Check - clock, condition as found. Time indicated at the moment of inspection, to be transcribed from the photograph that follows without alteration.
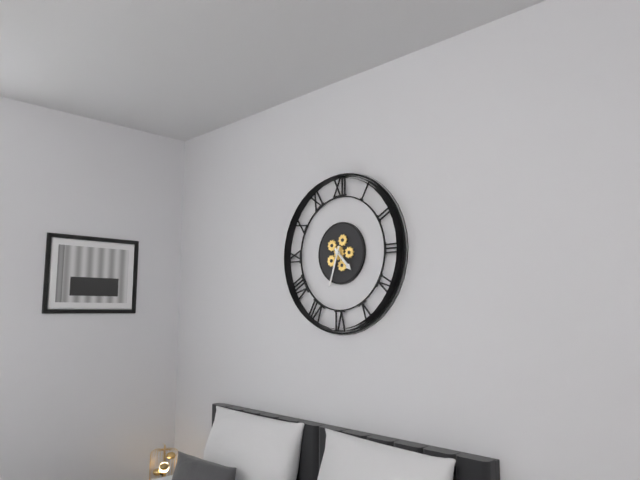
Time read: 4:33
